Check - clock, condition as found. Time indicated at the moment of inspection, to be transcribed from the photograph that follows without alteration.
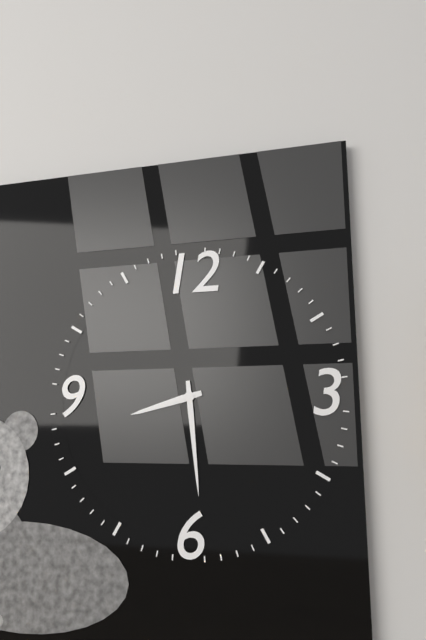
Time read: 8:29
